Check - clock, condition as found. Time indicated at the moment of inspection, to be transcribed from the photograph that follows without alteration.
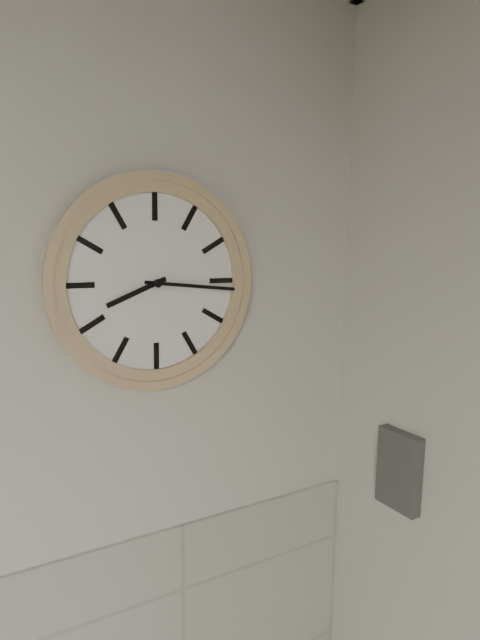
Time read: 8:16
